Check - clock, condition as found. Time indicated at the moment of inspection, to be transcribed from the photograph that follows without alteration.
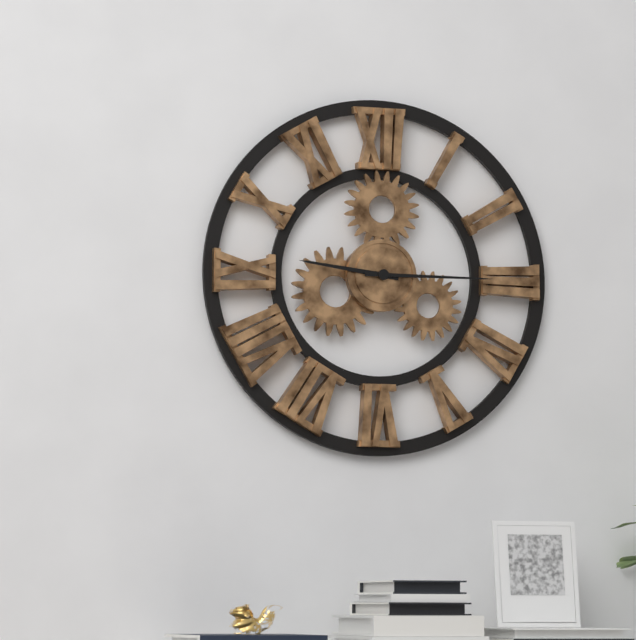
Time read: 9:15
